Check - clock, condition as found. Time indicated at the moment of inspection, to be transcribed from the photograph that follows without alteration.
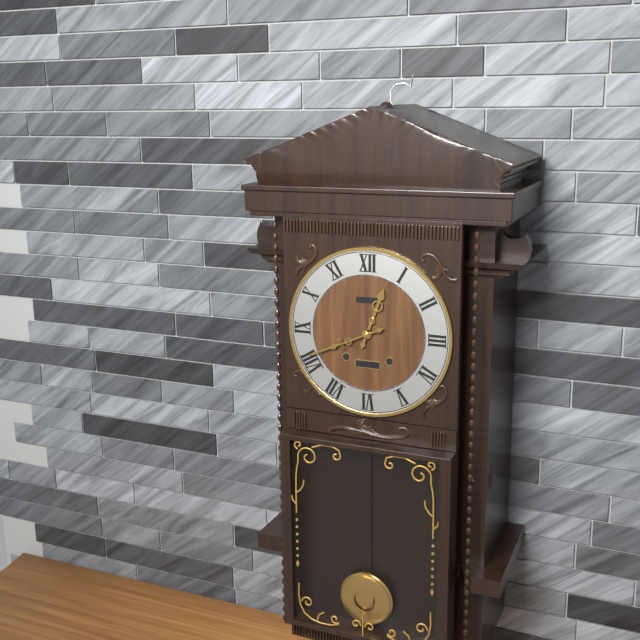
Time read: 12:41
